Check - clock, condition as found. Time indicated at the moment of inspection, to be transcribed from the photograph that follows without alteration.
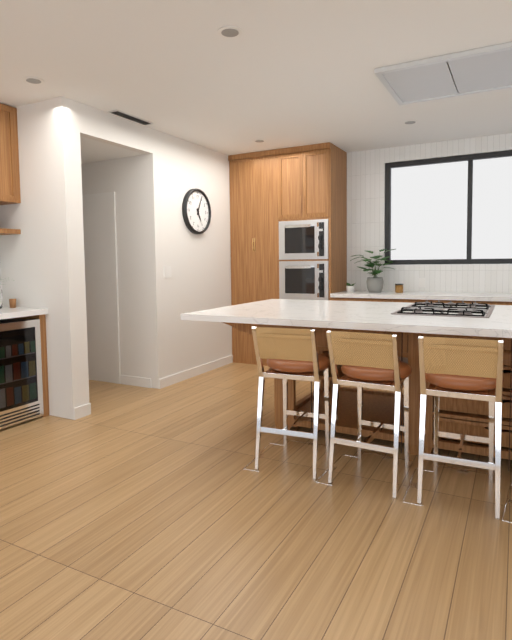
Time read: 5:04
